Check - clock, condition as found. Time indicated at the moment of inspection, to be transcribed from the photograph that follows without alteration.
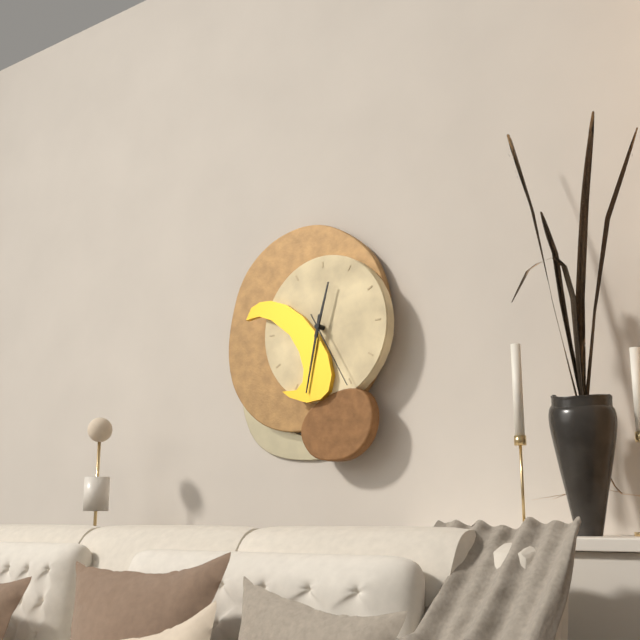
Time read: 12:32:25
